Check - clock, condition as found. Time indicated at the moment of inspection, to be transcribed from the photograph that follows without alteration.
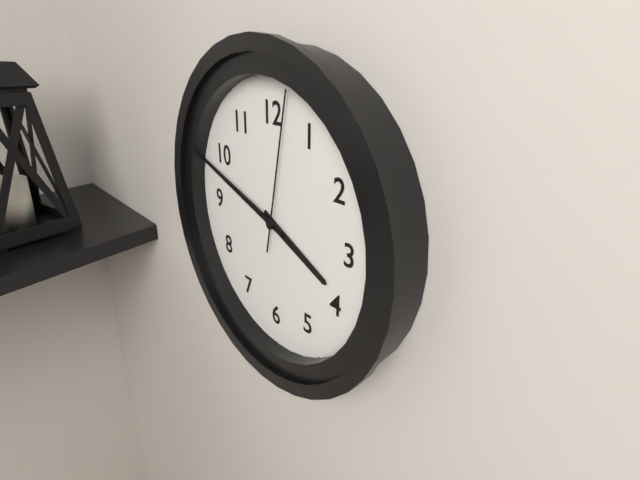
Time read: 3:48:02
